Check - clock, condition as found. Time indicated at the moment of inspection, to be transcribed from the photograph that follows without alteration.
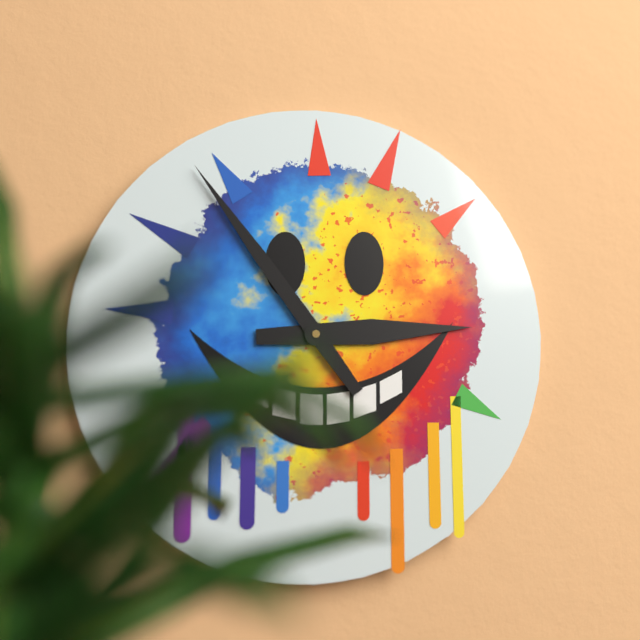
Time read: 2:54
